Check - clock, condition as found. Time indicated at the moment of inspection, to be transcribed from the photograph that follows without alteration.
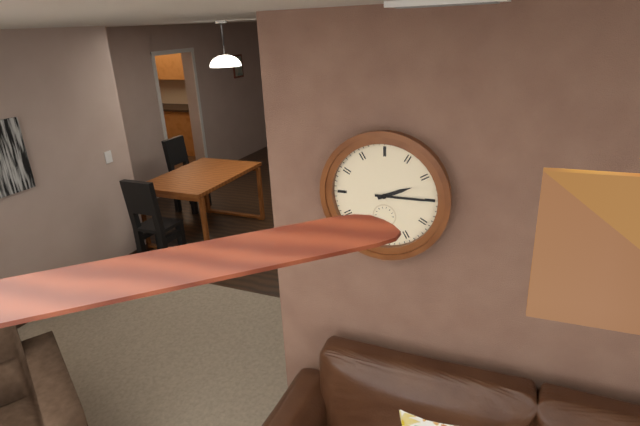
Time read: 2:15
